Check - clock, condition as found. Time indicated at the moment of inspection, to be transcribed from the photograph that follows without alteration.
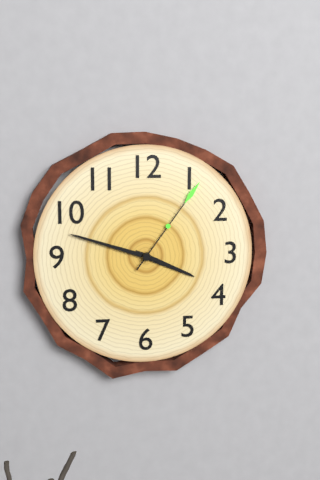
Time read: 3:48:06
